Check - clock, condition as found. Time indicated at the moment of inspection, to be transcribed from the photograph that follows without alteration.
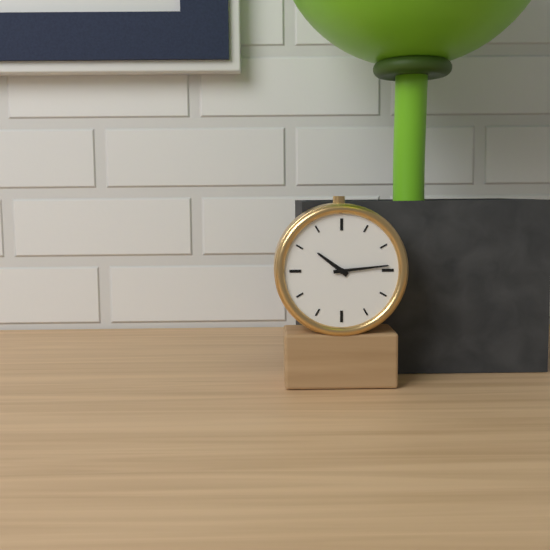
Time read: 10:14
